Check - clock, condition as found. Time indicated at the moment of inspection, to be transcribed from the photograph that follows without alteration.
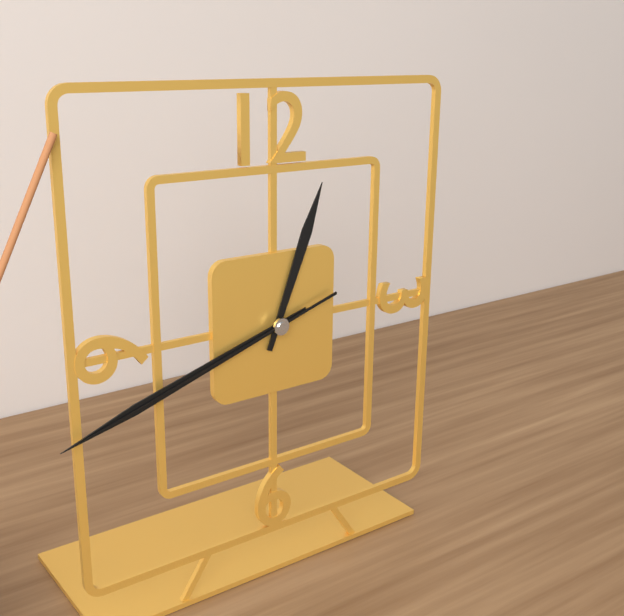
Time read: 12:42:42
